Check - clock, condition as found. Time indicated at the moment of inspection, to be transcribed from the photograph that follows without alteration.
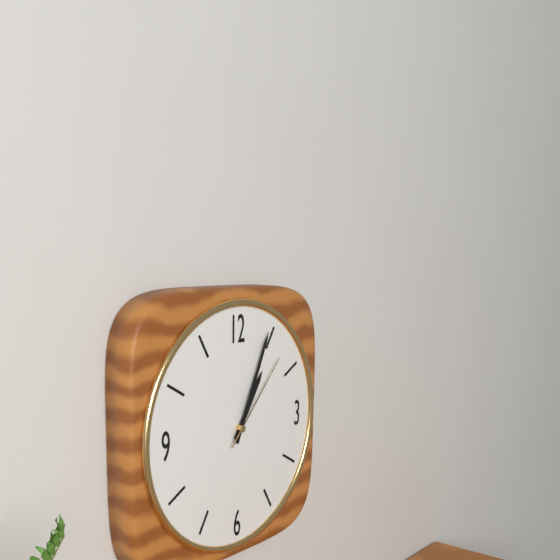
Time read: 1:04:07
